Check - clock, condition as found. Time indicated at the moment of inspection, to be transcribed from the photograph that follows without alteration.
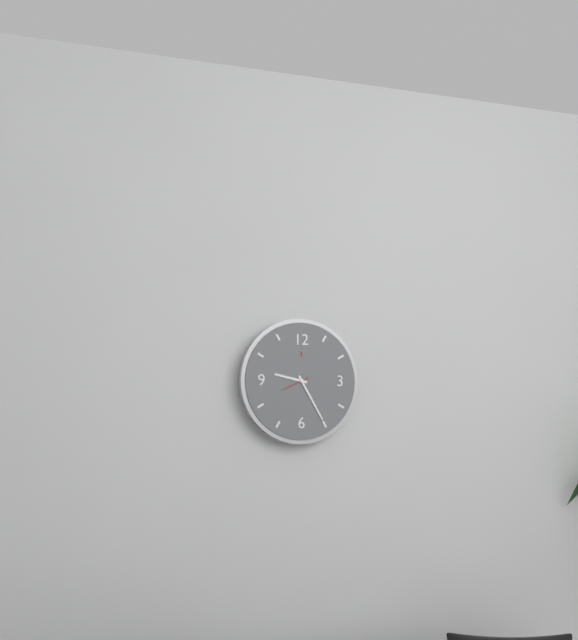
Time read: 9:25
